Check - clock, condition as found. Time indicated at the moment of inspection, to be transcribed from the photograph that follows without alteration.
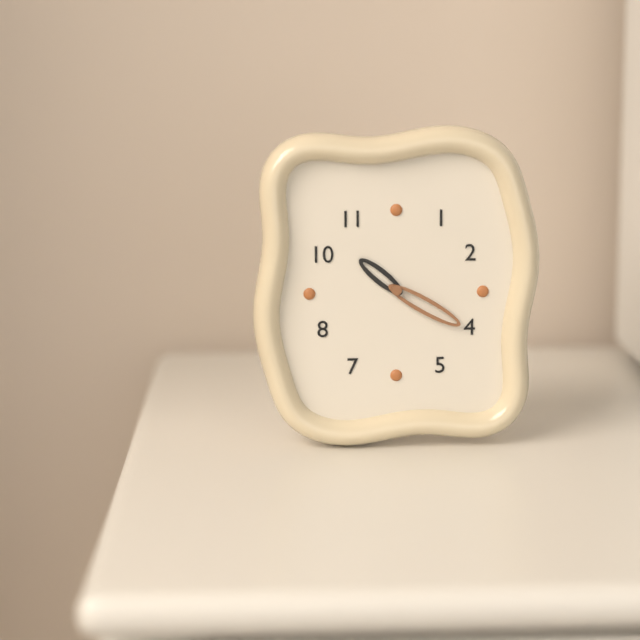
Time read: 10:20
